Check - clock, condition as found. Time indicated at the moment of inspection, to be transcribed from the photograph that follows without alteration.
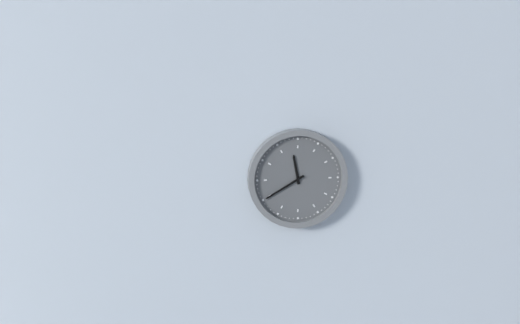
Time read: 11:40
